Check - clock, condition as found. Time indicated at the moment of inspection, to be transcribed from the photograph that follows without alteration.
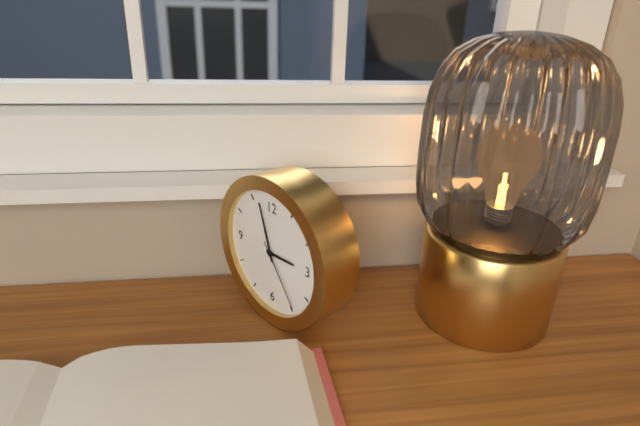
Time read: 2:57:24
